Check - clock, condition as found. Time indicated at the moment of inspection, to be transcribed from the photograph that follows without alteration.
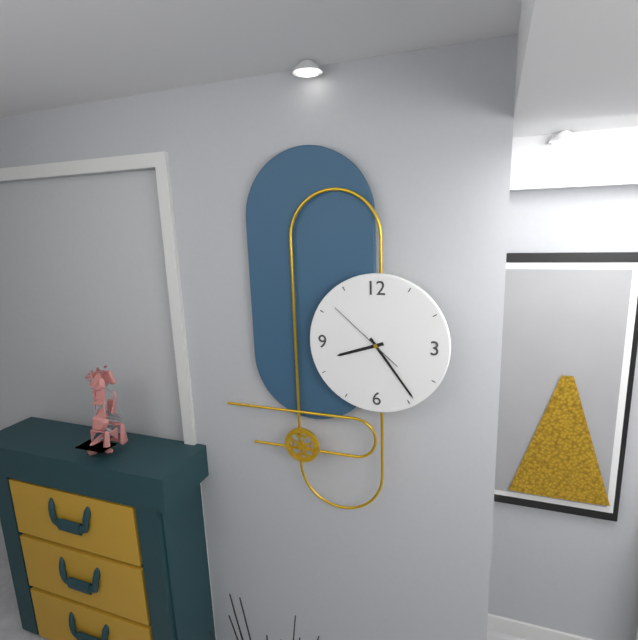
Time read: 8:24:52
